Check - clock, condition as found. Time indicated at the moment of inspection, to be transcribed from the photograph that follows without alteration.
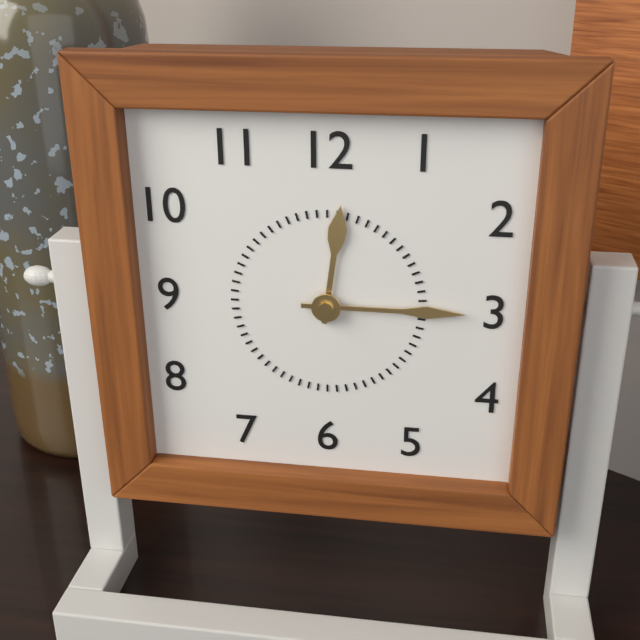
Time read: 12:15
